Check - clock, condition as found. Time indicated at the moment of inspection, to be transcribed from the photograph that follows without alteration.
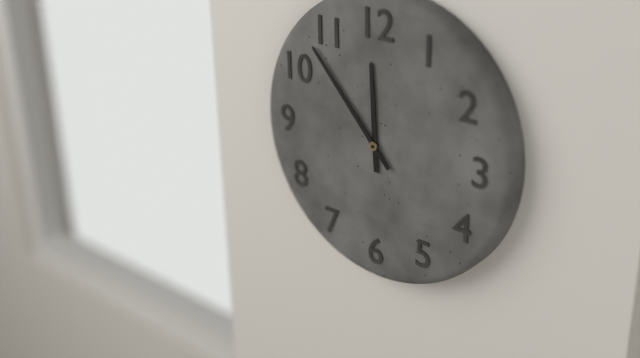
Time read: 11:53
